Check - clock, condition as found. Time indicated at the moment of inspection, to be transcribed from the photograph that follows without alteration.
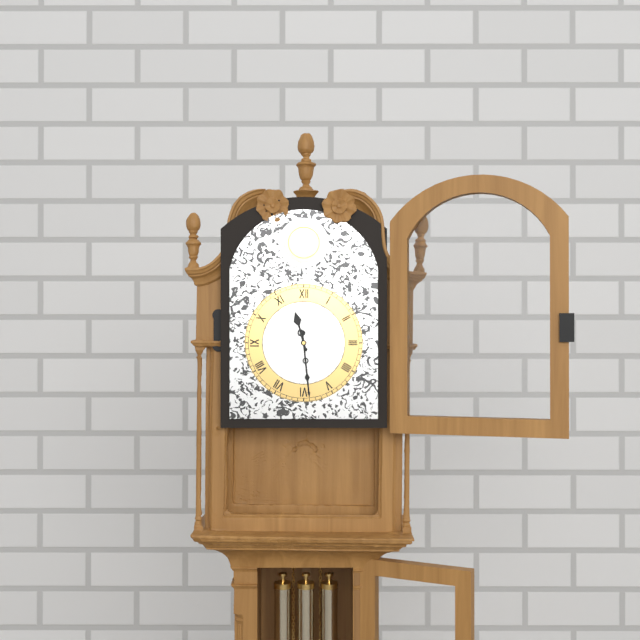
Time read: 11:29
